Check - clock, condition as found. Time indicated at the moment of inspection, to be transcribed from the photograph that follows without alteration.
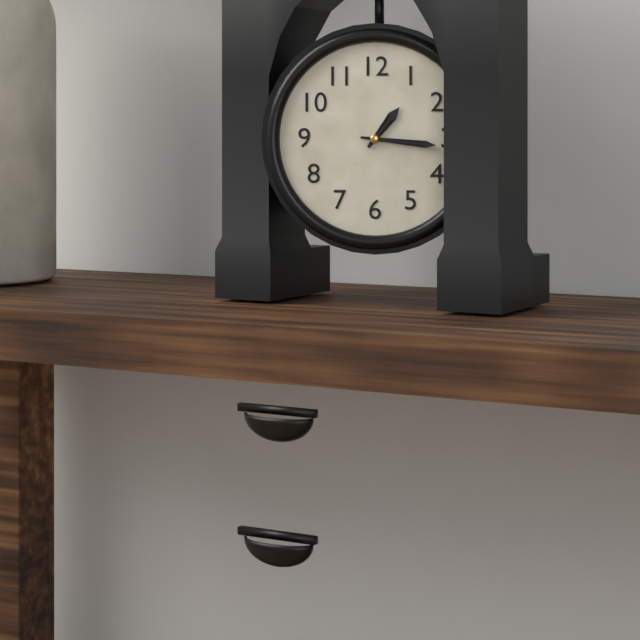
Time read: 1:16
